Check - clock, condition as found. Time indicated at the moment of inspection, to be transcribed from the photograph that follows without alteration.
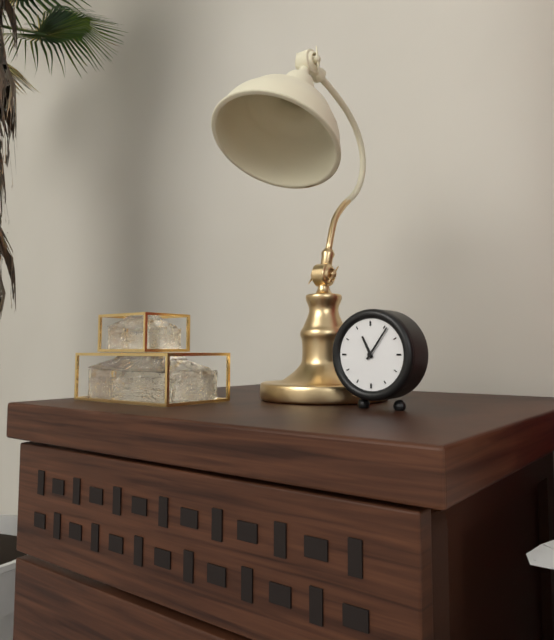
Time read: 11:06
